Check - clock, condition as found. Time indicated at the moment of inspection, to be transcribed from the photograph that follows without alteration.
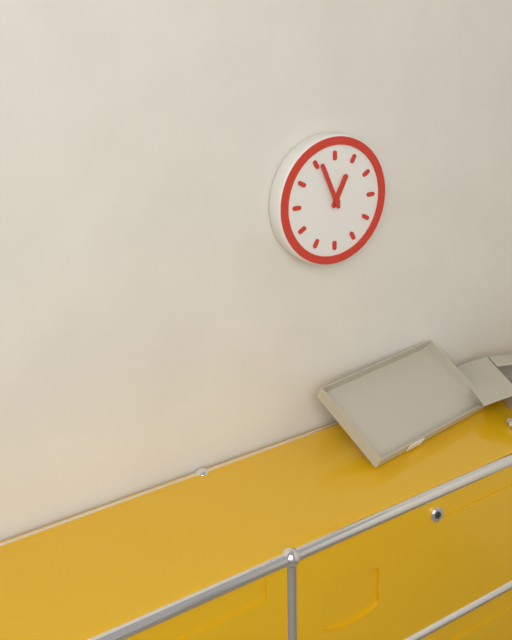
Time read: 12:56
